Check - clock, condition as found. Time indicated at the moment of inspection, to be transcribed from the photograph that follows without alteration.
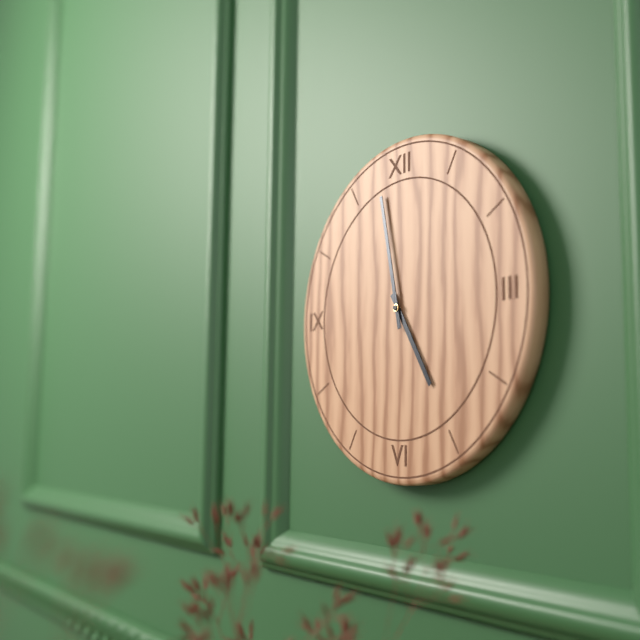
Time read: 4:58
